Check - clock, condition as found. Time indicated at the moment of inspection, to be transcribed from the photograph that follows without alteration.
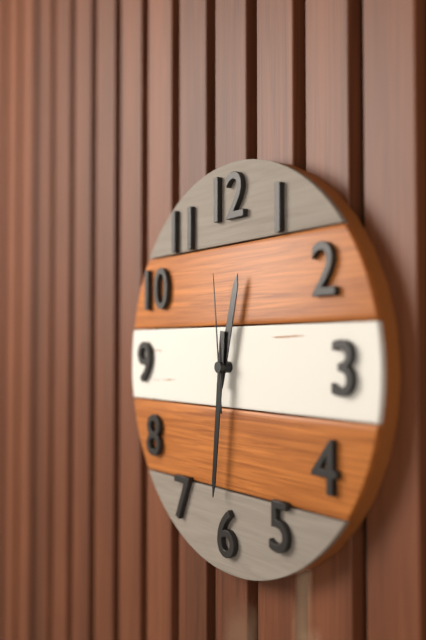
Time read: 12:31:59
